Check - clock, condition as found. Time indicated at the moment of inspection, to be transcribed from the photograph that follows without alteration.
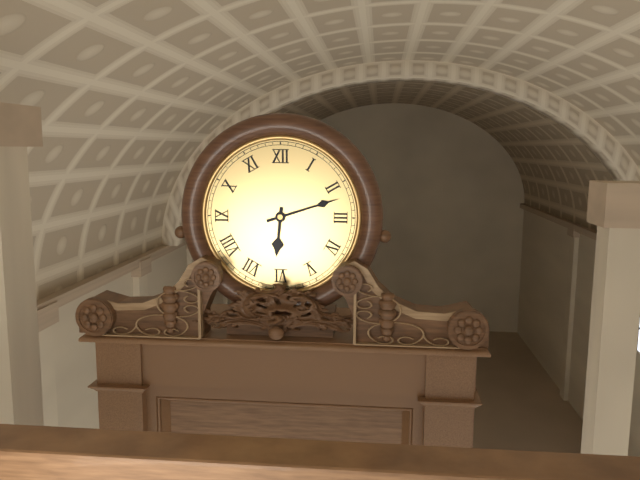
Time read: 6:12
